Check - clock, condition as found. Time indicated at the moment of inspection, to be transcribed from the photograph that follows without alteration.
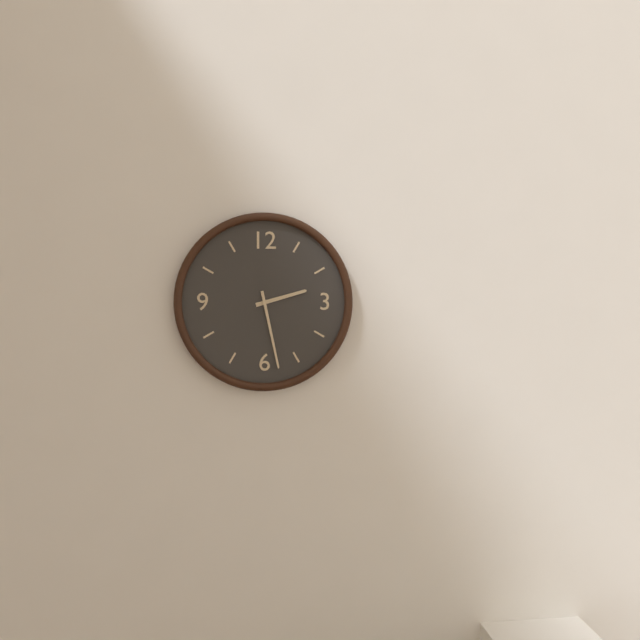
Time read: 2:28
